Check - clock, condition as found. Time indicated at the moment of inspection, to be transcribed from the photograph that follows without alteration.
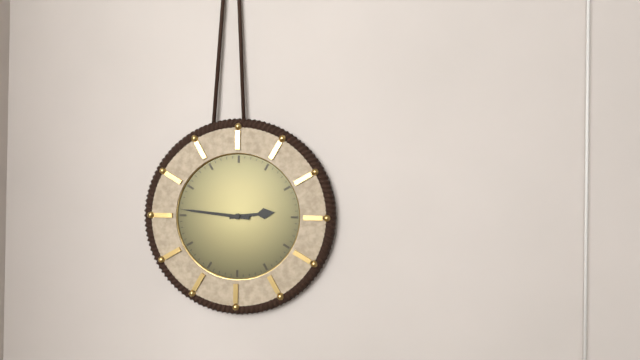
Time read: 2:46
